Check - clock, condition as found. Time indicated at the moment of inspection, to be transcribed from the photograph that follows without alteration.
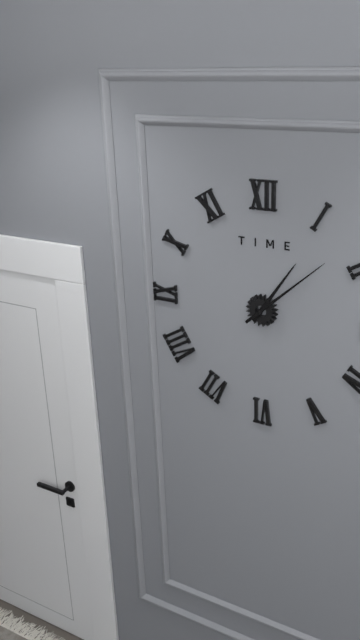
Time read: 1:08
